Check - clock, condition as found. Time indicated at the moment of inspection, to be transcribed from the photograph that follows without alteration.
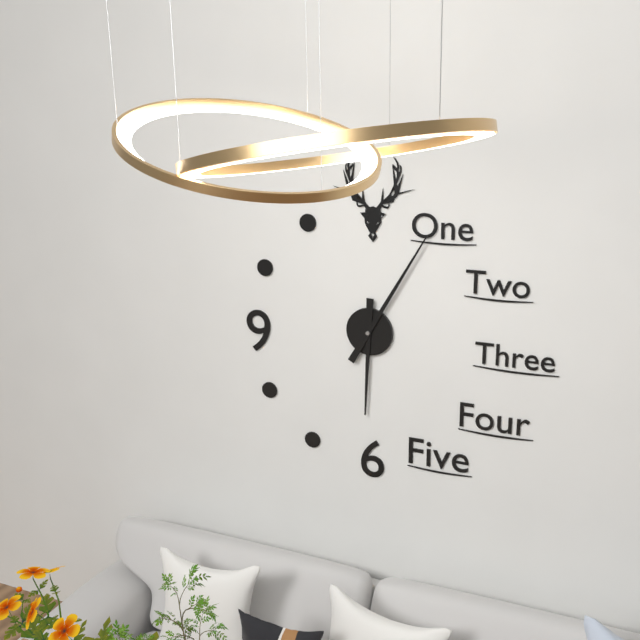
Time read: 6:05
